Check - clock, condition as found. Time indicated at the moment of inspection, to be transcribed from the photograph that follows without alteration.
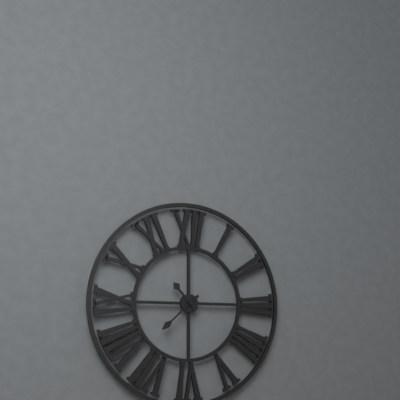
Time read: 10:38
